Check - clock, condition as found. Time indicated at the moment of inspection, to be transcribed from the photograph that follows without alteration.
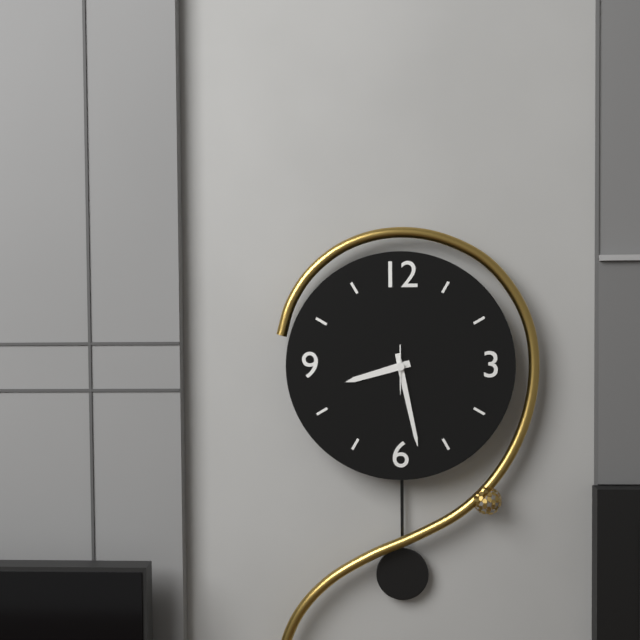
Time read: 8:28
